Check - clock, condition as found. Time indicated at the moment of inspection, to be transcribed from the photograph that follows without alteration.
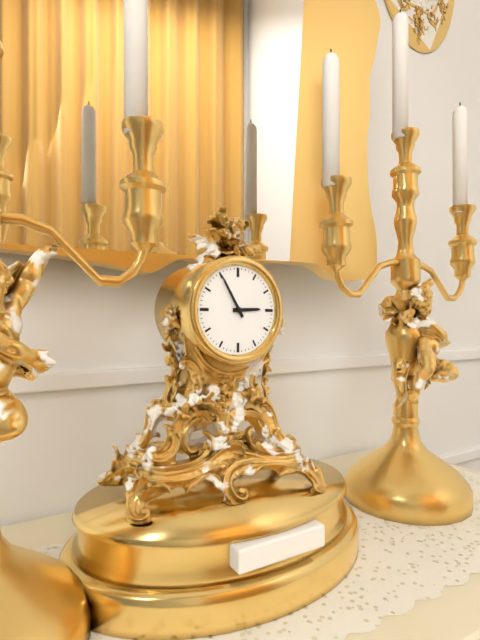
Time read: 2:55
